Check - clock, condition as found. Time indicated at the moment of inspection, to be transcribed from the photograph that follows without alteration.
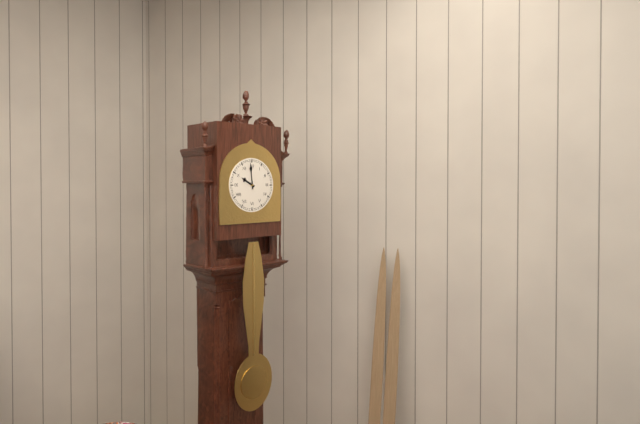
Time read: 9:59
